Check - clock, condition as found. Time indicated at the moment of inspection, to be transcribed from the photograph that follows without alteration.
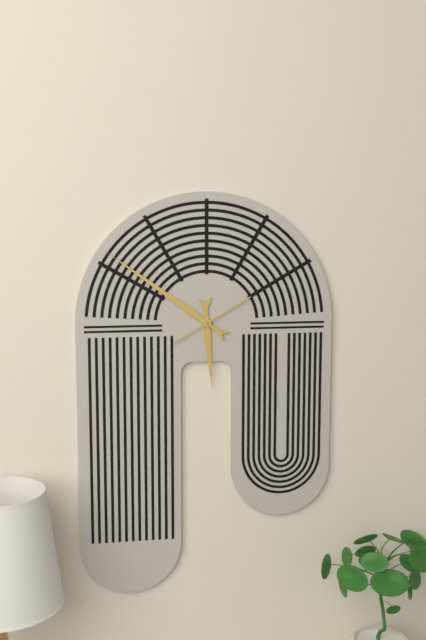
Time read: 5:51:10
